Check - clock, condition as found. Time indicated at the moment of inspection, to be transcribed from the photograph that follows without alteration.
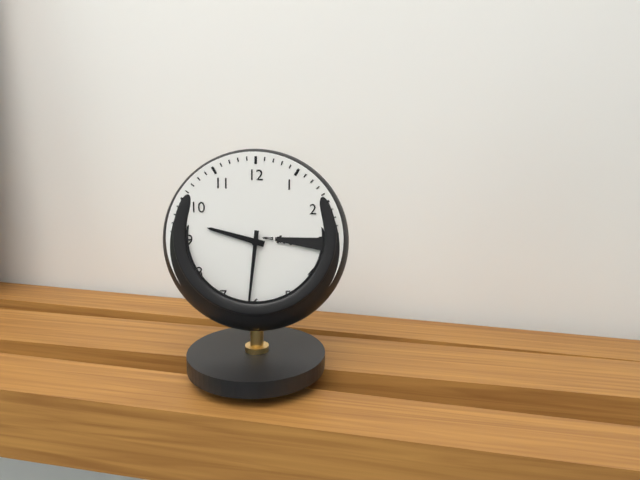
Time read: 9:31
